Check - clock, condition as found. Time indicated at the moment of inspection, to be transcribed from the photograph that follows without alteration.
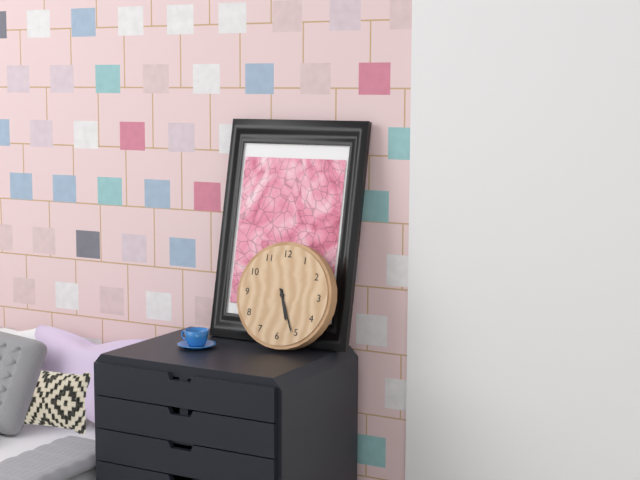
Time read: 5:26
